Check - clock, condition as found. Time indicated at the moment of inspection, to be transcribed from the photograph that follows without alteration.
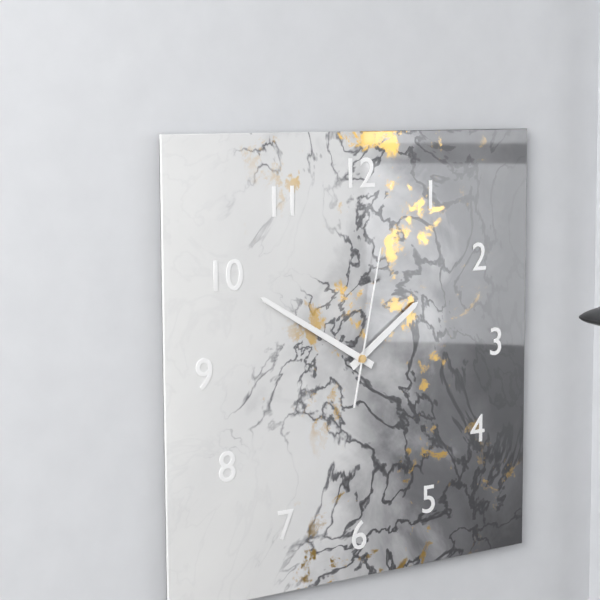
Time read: 1:50:02
